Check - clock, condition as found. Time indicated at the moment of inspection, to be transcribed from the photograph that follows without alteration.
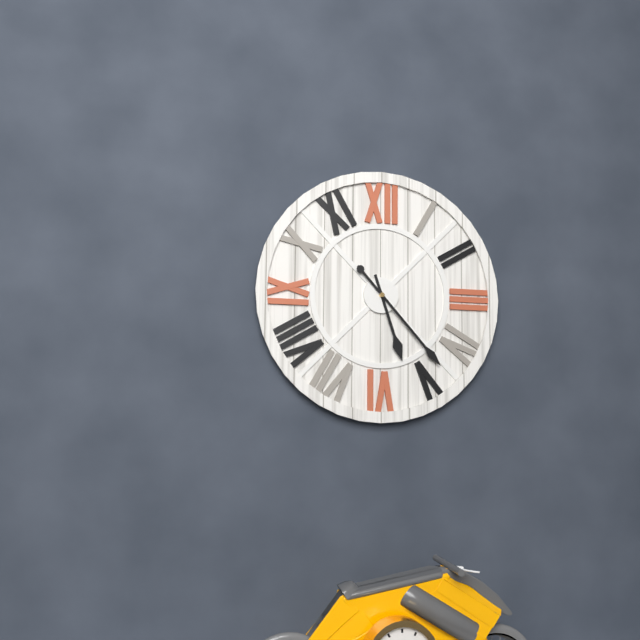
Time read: 5:23
